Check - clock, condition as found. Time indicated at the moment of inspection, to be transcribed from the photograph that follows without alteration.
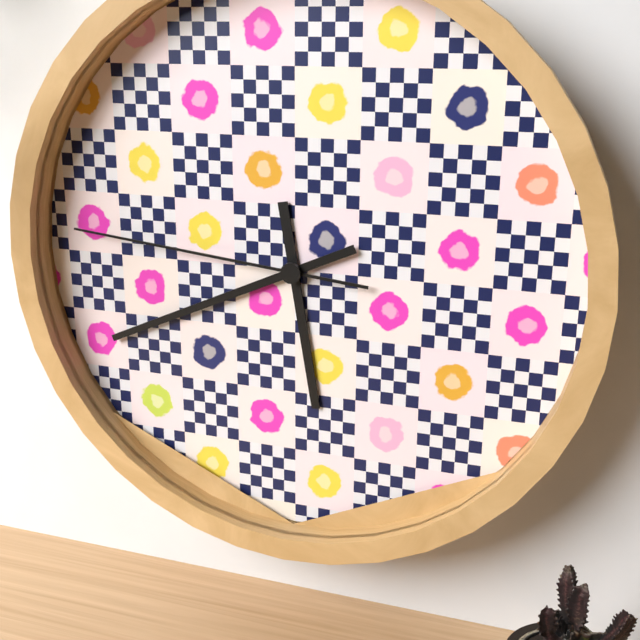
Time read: 5:41:46
